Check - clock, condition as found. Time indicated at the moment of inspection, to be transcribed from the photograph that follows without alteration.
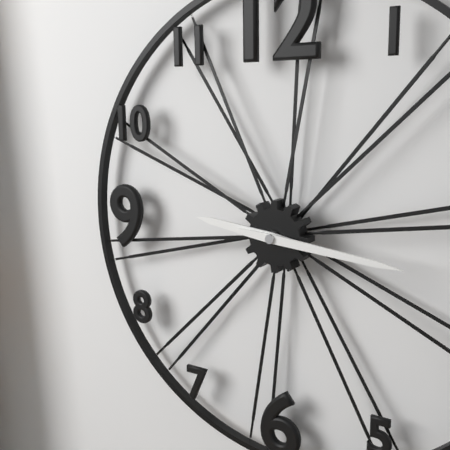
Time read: 9:16
